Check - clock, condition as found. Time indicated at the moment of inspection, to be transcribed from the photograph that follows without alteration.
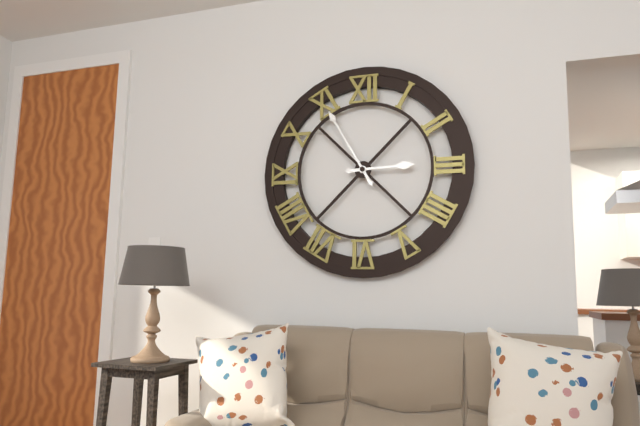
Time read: 2:55
